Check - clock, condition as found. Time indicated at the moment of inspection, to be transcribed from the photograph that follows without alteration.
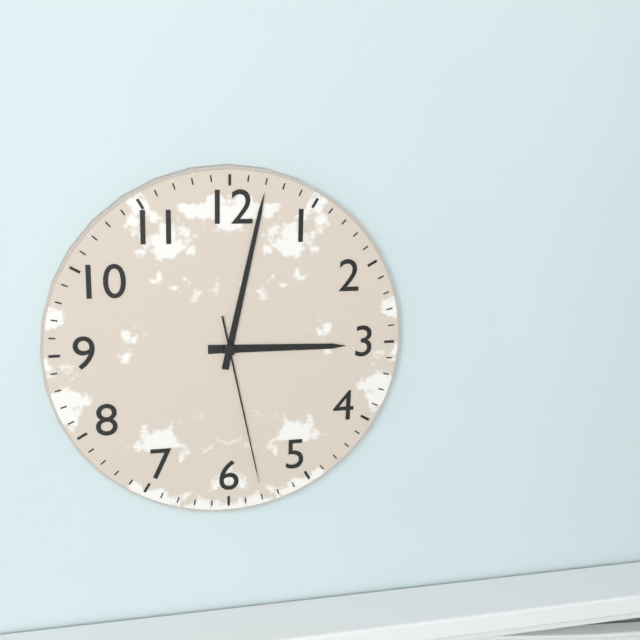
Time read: 3:02:28
